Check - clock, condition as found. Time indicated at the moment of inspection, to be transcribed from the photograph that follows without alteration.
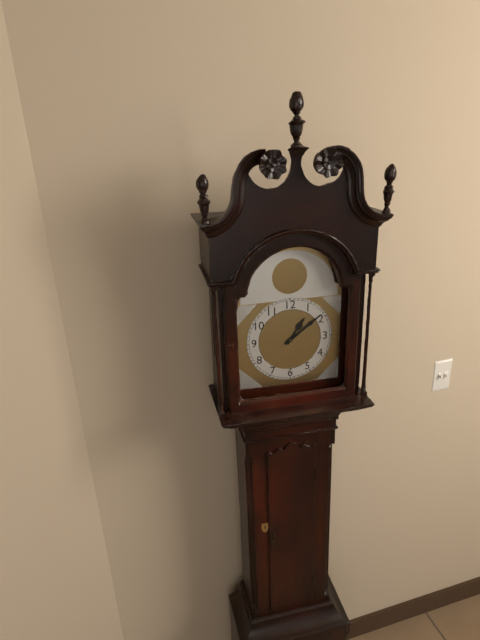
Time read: 1:09
